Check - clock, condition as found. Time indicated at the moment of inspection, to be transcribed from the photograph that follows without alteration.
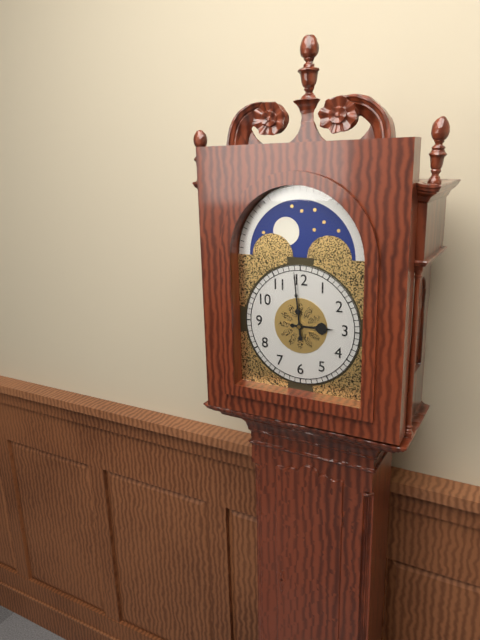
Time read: 2:59
